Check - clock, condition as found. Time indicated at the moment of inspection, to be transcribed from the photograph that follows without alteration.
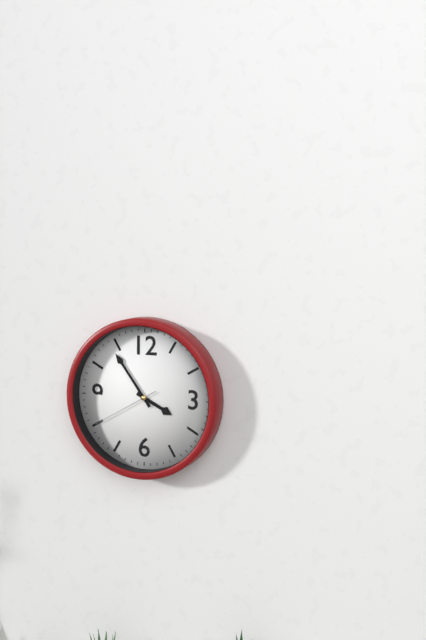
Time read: 3:54:40
